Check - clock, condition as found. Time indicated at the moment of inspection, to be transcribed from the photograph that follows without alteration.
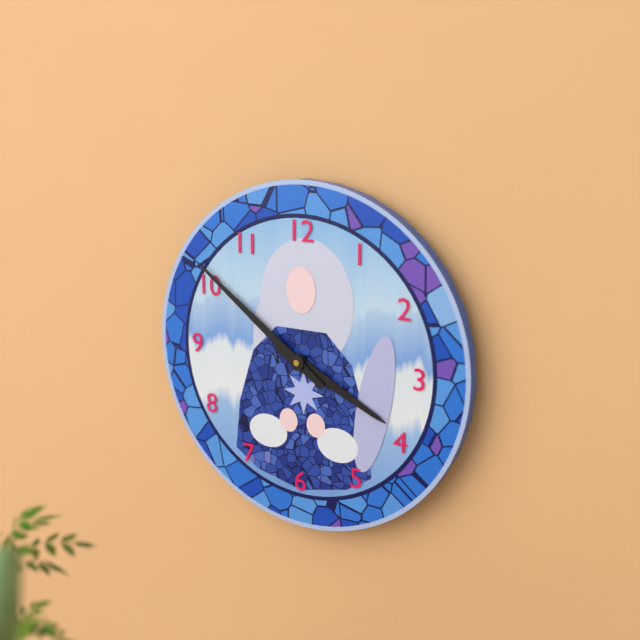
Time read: 3:51
